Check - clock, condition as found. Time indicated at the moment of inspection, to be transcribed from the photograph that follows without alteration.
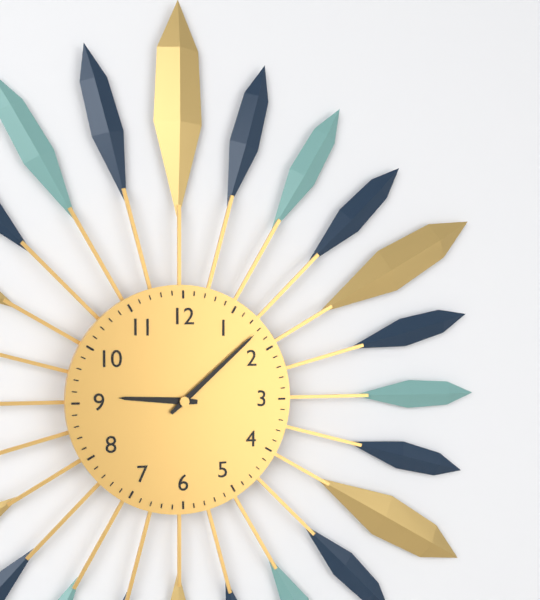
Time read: 9:08
